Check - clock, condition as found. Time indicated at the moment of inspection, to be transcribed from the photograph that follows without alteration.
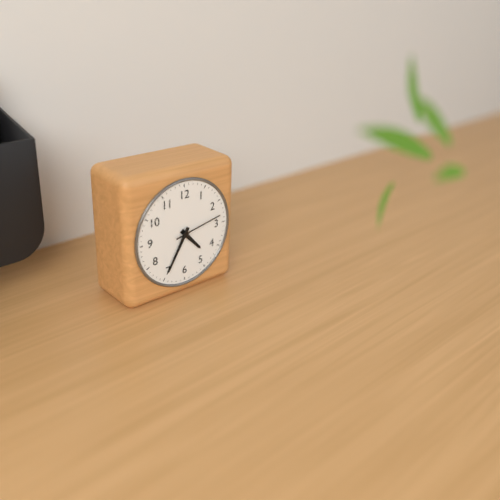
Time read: 4:35:13
